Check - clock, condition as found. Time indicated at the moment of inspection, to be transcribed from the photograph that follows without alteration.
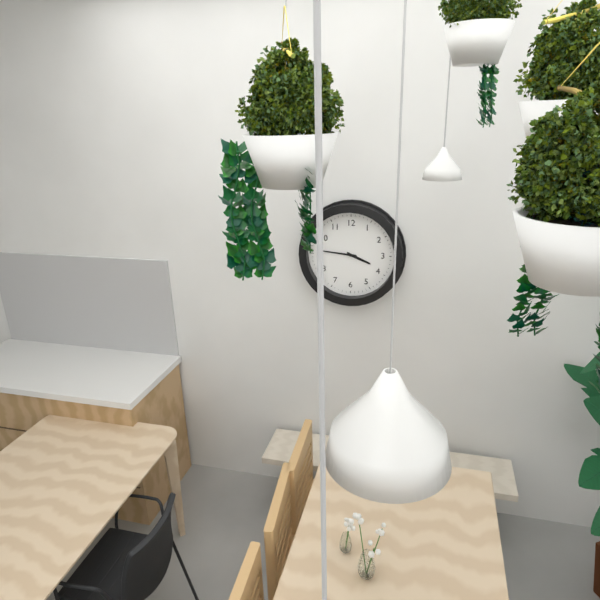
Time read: 3:46
